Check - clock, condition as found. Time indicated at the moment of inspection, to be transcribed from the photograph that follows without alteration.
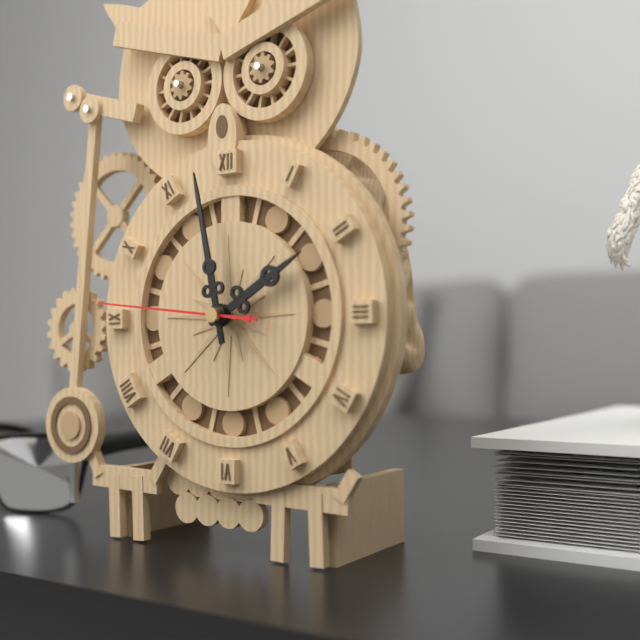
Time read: 1:58:46
